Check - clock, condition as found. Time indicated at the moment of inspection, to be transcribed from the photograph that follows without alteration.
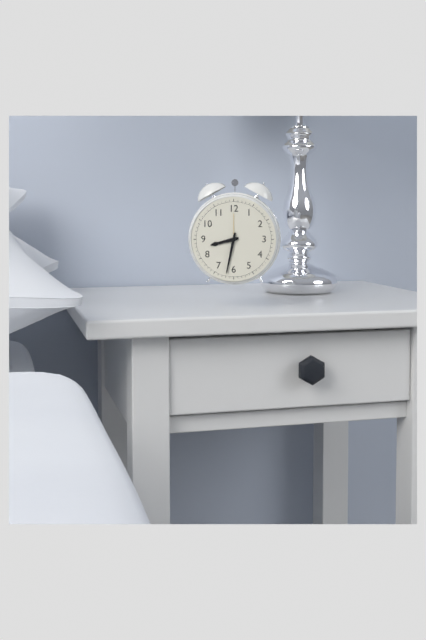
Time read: 8:32
